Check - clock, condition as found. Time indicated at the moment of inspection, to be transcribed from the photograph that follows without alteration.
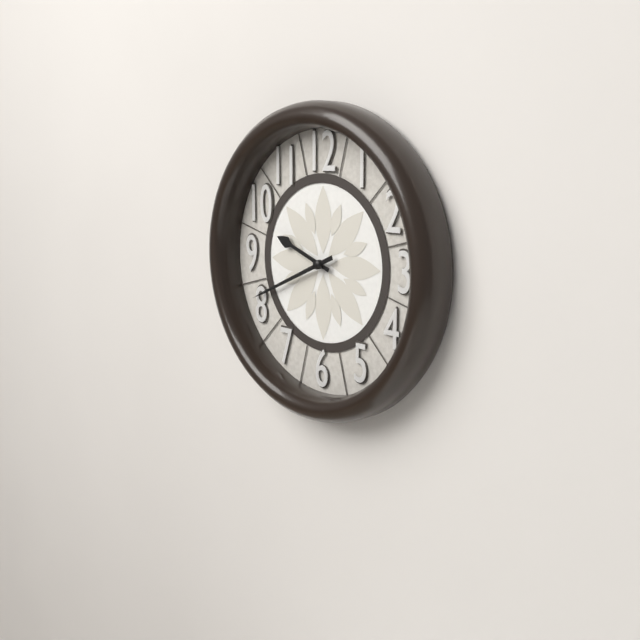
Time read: 9:41
